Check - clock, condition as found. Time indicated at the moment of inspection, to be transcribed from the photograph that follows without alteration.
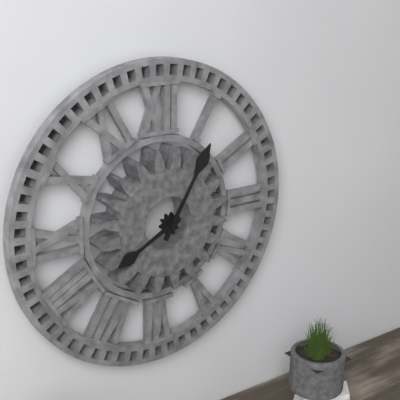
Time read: 8:05
